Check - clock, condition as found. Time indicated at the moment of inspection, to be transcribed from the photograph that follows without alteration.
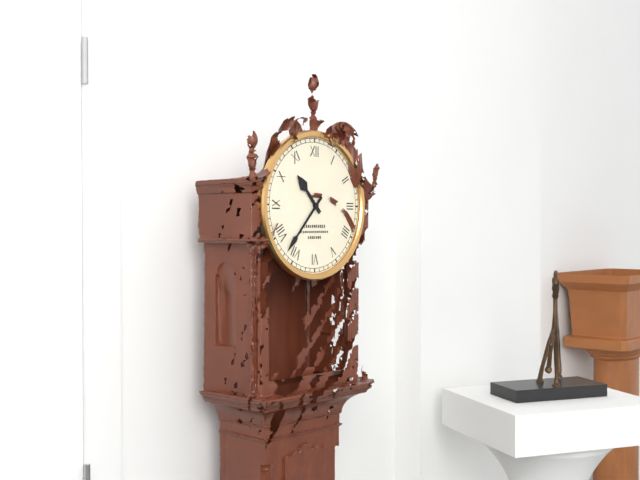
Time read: 10:37
